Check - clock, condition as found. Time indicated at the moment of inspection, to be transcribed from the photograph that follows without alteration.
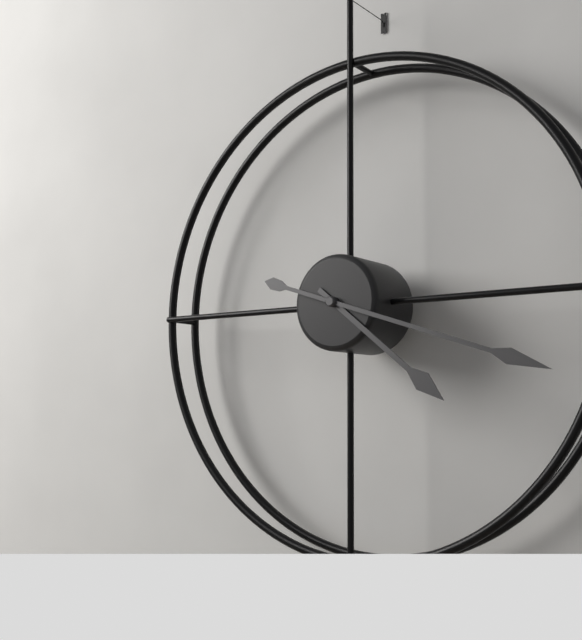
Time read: 4:18
